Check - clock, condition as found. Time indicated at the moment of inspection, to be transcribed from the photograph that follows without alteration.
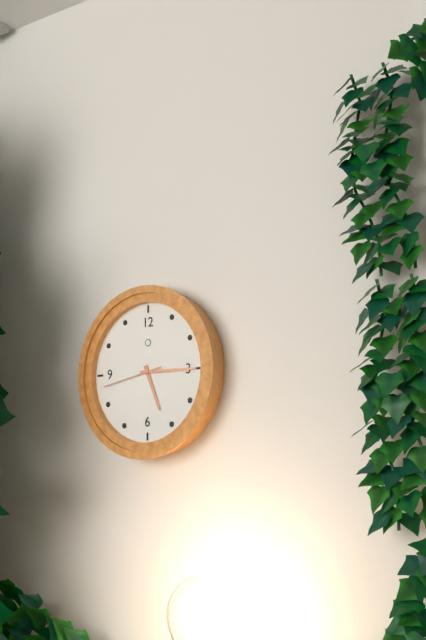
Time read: 5:15:43
